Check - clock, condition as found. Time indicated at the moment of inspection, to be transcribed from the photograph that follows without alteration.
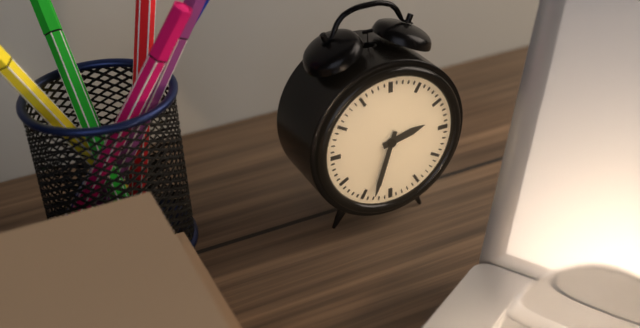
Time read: 2:33
